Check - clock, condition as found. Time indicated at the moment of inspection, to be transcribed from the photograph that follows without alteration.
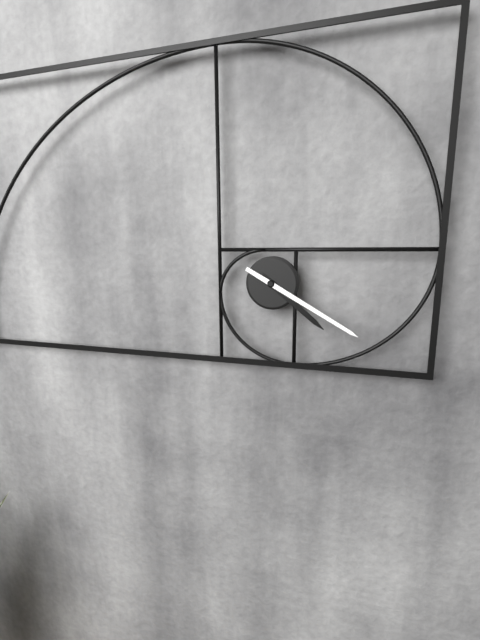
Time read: 4:20
